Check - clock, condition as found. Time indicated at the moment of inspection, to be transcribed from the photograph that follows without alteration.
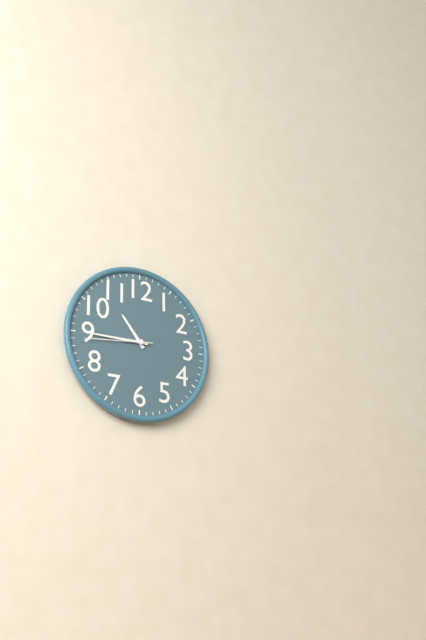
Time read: 10:45:44
